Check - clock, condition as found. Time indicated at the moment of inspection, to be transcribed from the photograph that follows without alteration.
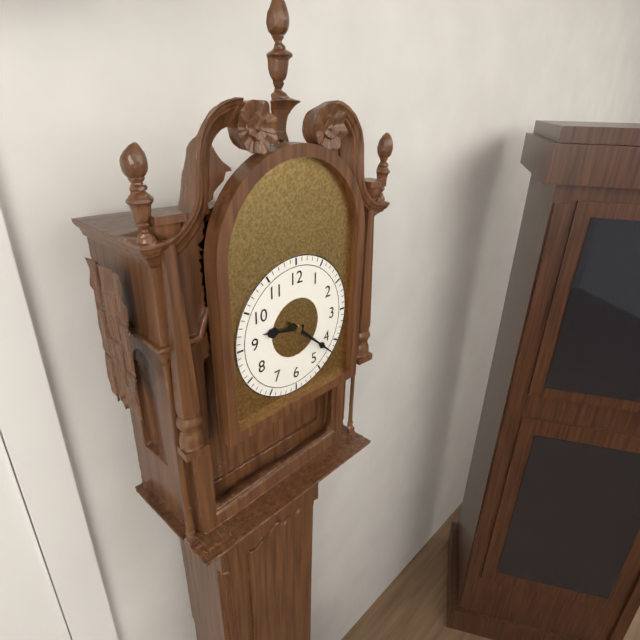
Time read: 9:22
